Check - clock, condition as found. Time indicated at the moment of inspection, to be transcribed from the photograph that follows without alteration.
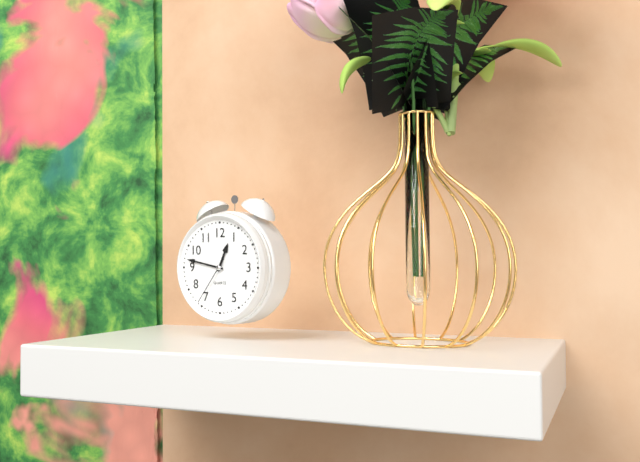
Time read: 12:47:36
